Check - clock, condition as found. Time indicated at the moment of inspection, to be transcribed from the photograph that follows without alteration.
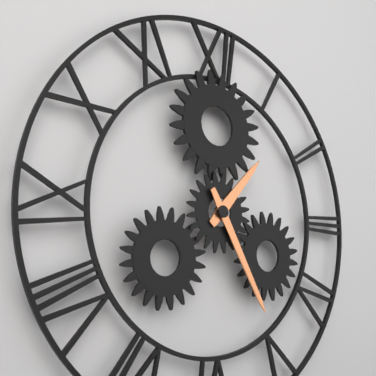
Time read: 1:25
